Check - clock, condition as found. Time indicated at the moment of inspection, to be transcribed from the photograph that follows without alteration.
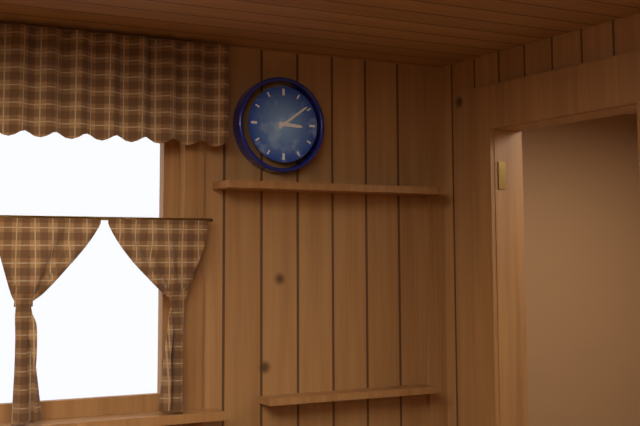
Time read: 3:09
